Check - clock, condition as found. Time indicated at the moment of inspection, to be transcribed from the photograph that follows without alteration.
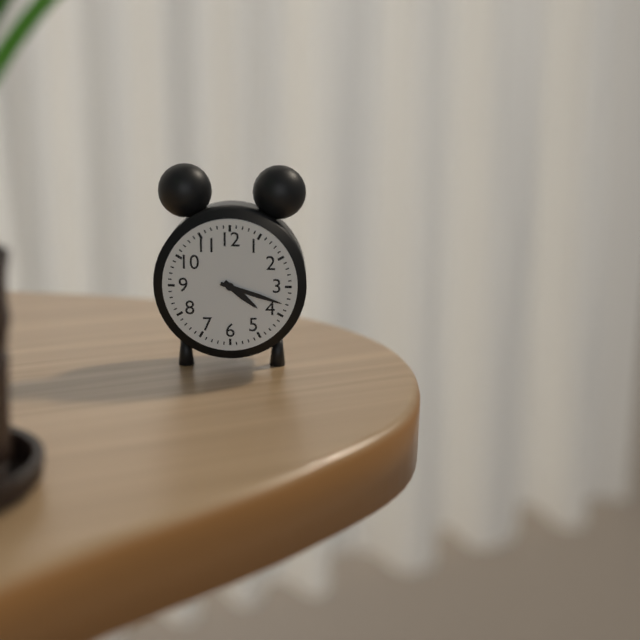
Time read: 4:18
